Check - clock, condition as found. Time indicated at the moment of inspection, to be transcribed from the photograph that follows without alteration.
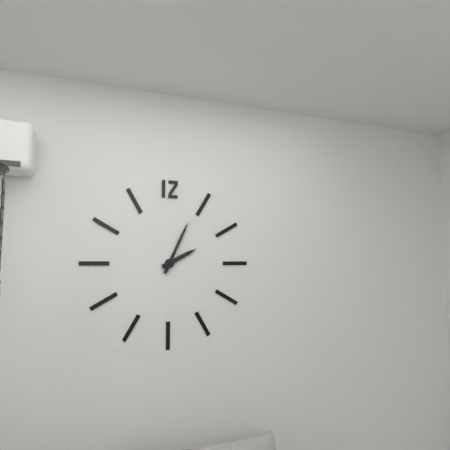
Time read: 2:04
